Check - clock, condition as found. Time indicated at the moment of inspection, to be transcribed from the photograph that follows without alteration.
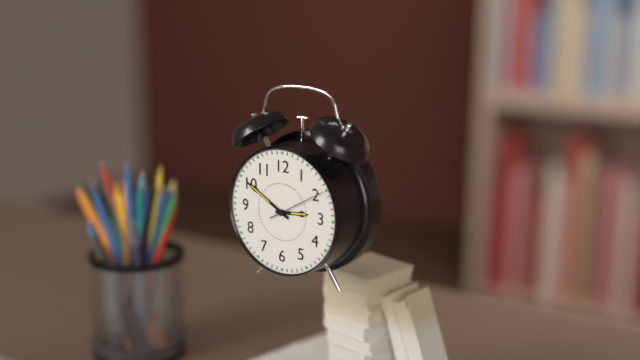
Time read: 2:50:10
